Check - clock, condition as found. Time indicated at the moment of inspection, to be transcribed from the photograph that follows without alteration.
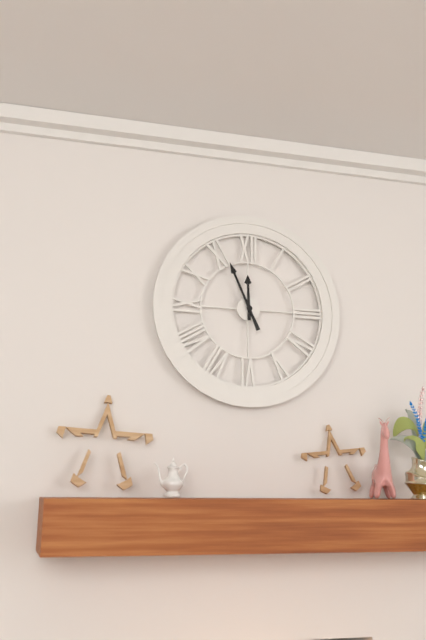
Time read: 11:56
